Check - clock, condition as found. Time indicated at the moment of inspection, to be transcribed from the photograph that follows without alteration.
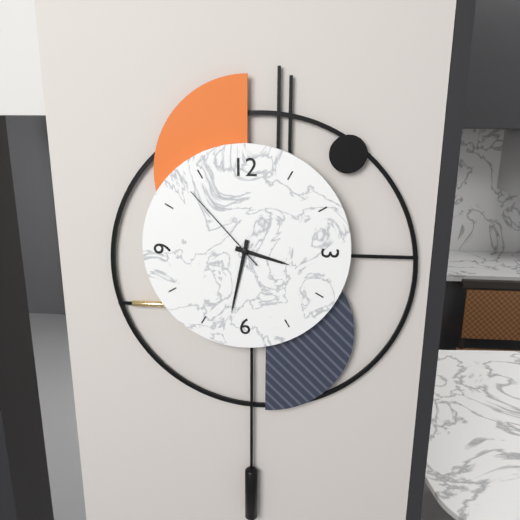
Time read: 3:32:53
